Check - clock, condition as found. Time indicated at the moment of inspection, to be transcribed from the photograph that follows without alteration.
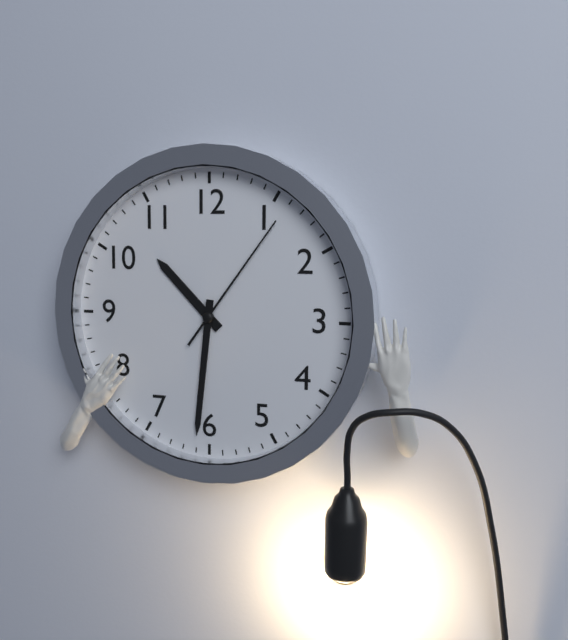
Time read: 10:31:06
